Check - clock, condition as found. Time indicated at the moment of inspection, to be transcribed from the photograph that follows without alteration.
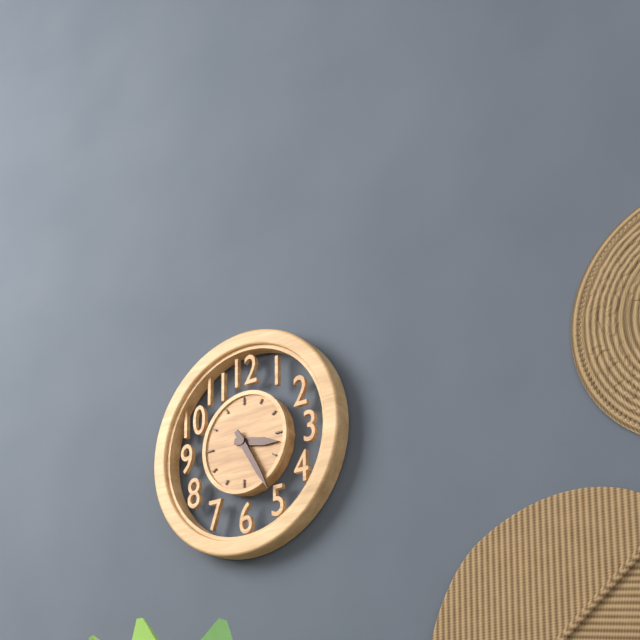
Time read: 3:25
